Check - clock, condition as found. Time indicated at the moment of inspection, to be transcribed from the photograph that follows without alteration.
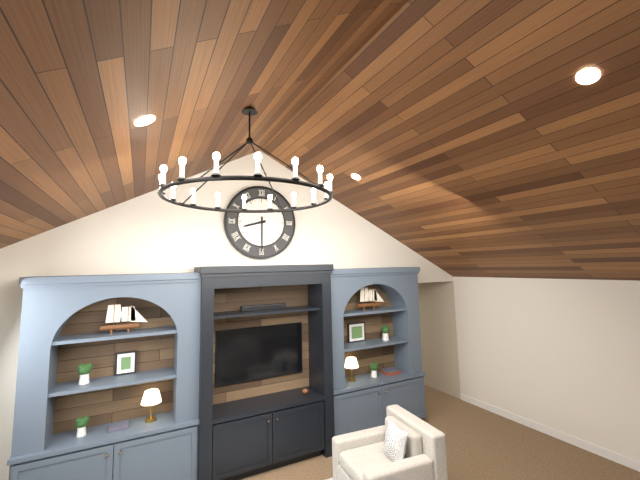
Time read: 8:30
